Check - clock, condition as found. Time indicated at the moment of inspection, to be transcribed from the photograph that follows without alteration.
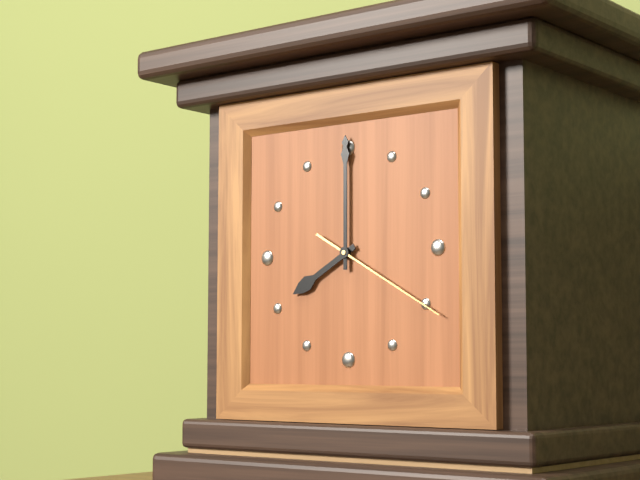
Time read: 8:00:20
